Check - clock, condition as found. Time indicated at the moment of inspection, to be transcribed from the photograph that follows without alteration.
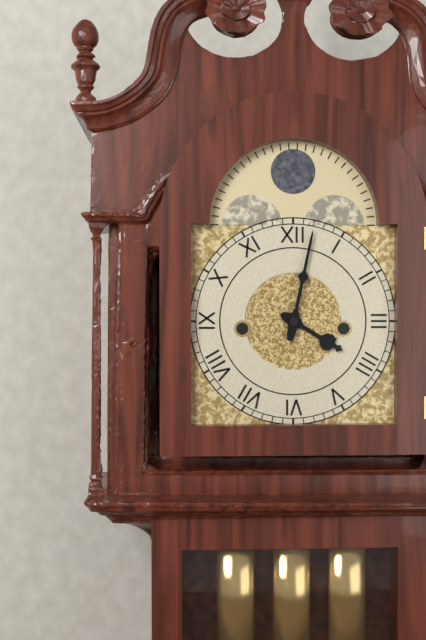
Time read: 4:02
